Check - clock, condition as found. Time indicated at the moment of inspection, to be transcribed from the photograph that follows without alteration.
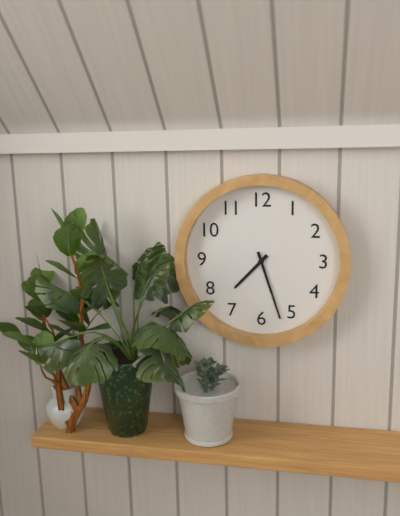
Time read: 7:27
